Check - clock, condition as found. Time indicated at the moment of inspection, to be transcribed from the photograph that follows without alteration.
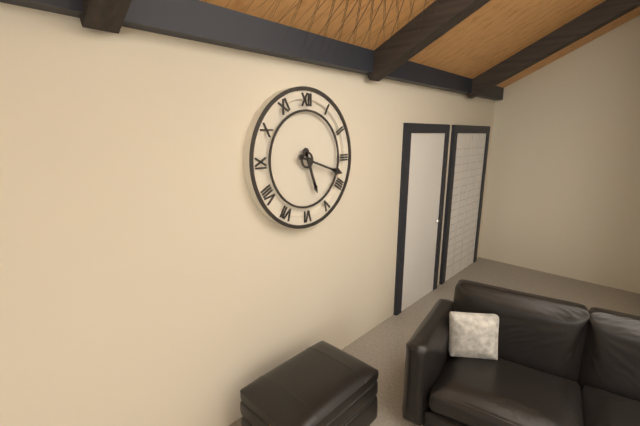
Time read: 5:18
